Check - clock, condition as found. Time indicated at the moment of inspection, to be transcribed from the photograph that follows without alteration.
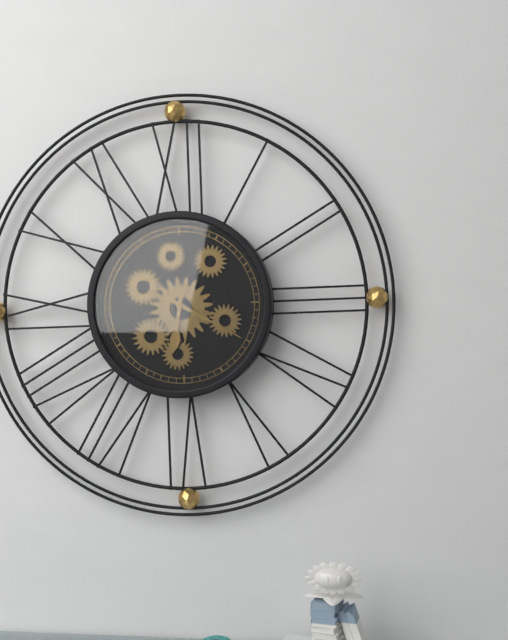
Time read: 6:20
